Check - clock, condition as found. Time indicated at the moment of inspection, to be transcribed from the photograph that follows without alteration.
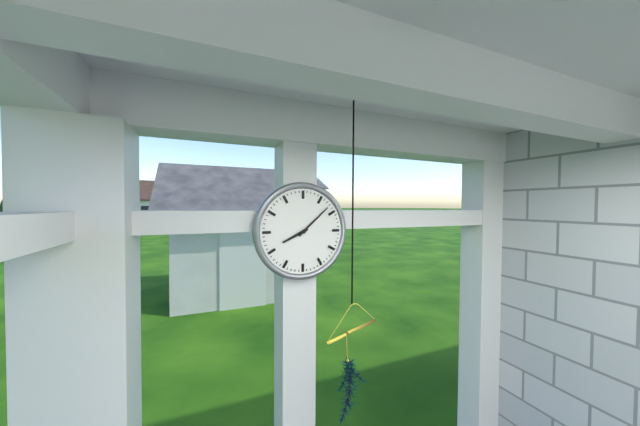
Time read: 8:08
